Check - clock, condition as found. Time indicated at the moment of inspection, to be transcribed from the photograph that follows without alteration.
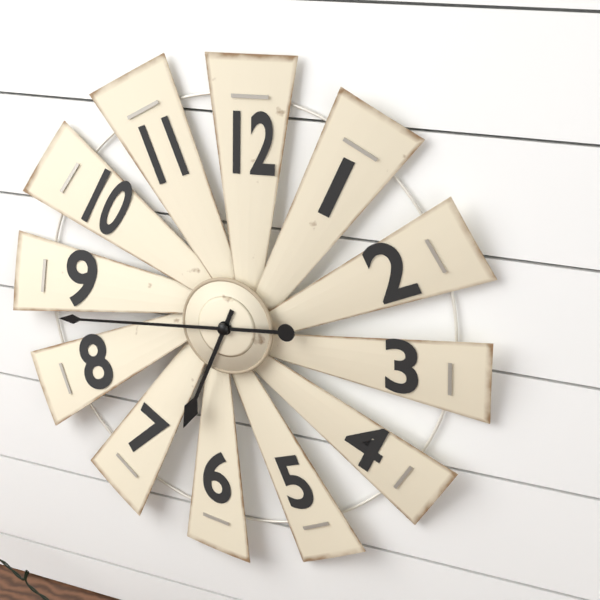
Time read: 6:44
